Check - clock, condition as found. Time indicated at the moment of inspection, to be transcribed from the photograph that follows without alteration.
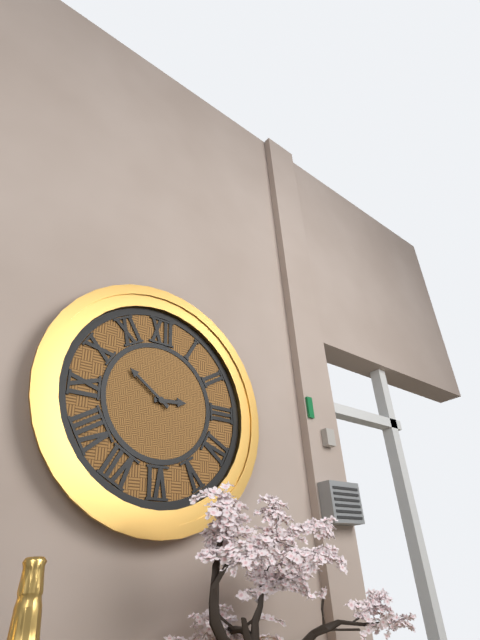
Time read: 2:51
